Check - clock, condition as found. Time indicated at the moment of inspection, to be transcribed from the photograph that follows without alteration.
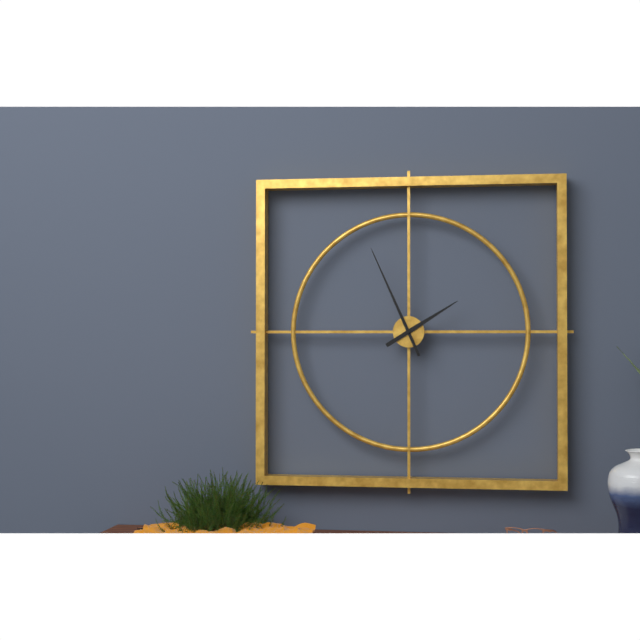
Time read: 1:56
